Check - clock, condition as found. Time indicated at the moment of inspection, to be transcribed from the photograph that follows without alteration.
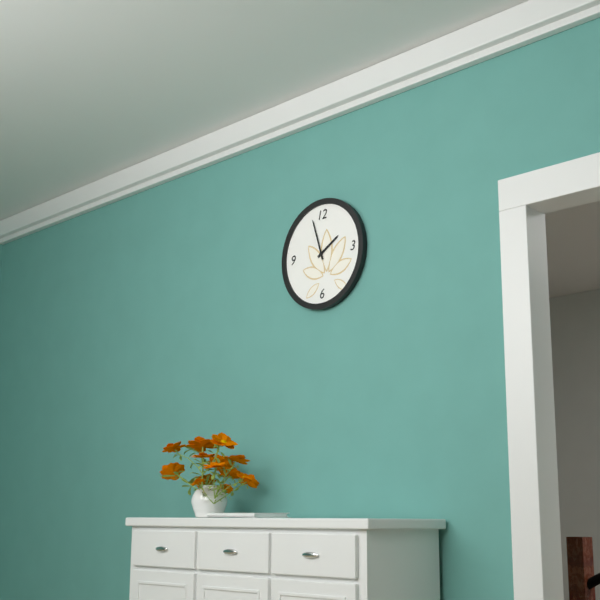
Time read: 1:57
